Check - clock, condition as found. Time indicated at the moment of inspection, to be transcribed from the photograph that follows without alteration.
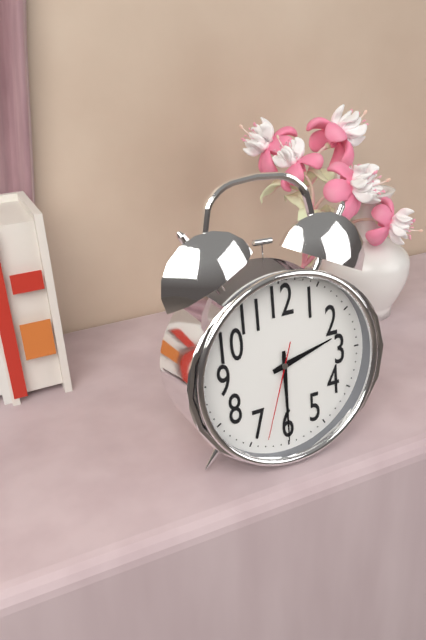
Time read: 2:30:33
